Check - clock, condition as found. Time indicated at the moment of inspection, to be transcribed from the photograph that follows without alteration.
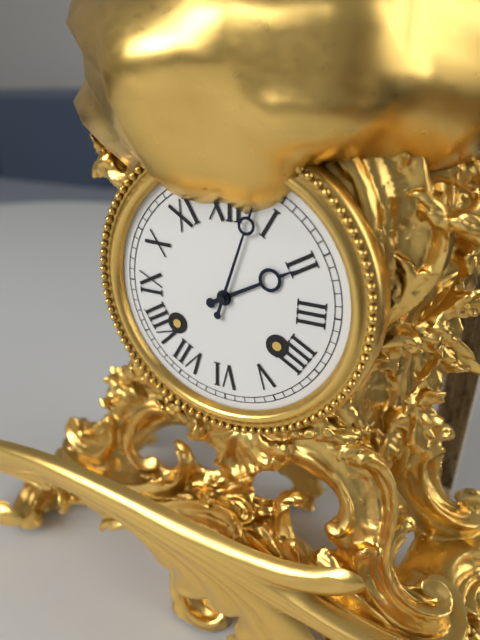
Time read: 2:03
